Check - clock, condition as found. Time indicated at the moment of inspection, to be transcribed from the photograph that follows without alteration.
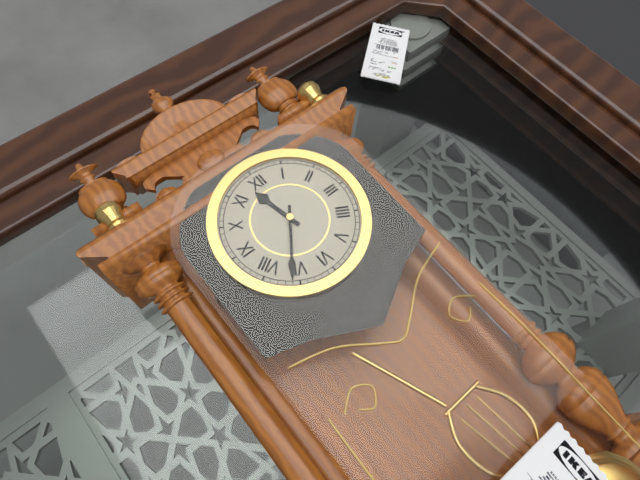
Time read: 11:36
